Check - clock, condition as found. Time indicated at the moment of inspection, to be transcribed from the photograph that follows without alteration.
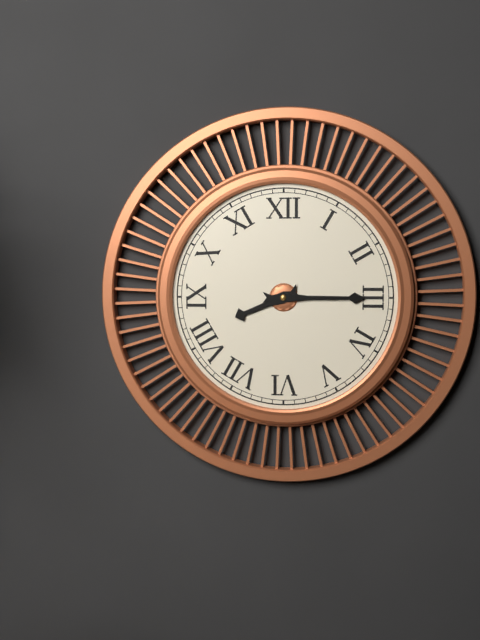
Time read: 8:15
